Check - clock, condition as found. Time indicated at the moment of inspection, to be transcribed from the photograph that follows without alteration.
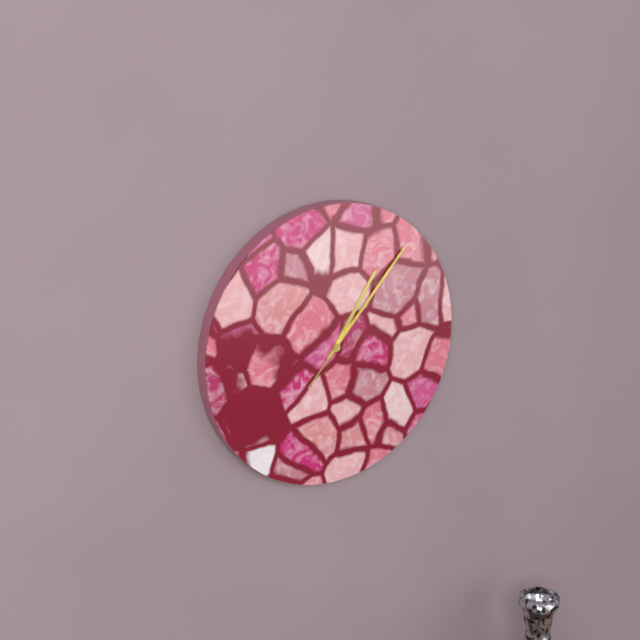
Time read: 1:07:07
